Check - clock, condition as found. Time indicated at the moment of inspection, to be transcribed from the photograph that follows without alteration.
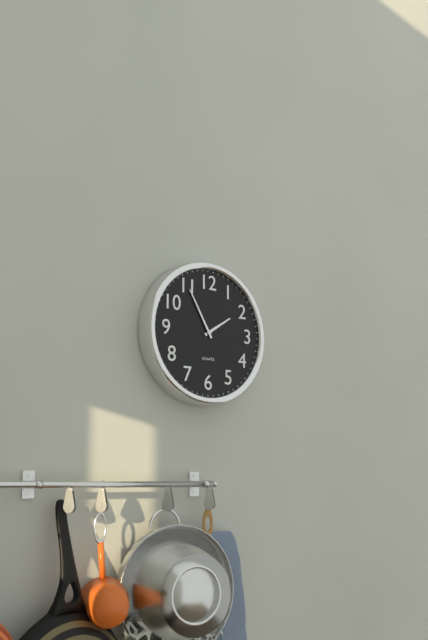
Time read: 1:55
